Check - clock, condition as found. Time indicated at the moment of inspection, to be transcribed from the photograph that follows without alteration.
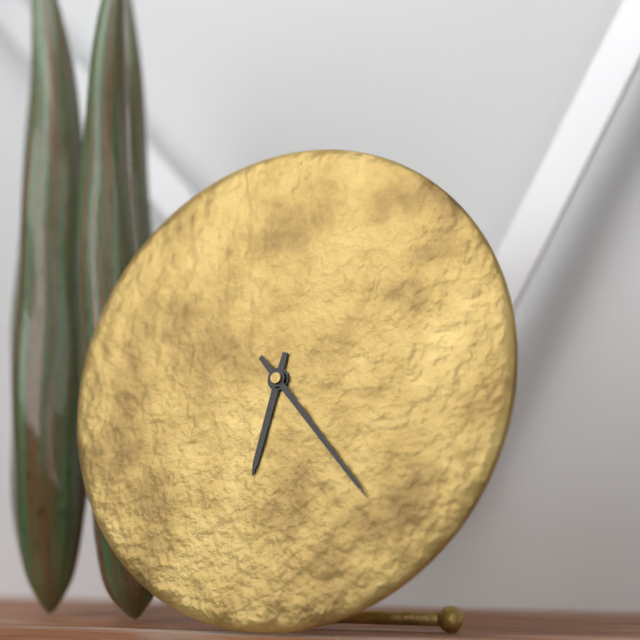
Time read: 6:23
